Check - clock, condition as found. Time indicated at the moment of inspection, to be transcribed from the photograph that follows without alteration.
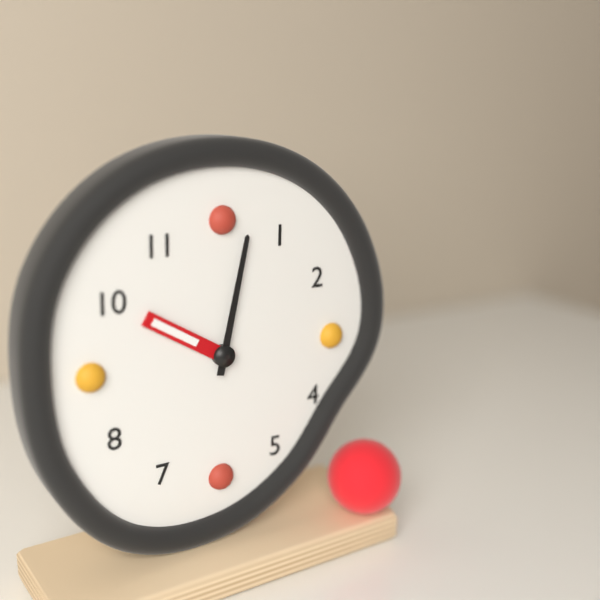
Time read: 10:02
